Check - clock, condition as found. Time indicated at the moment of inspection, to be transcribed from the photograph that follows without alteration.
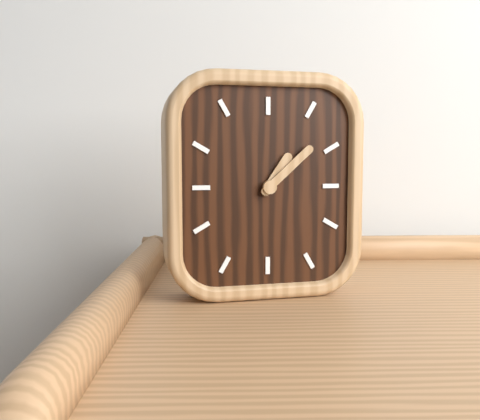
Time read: 1:08
